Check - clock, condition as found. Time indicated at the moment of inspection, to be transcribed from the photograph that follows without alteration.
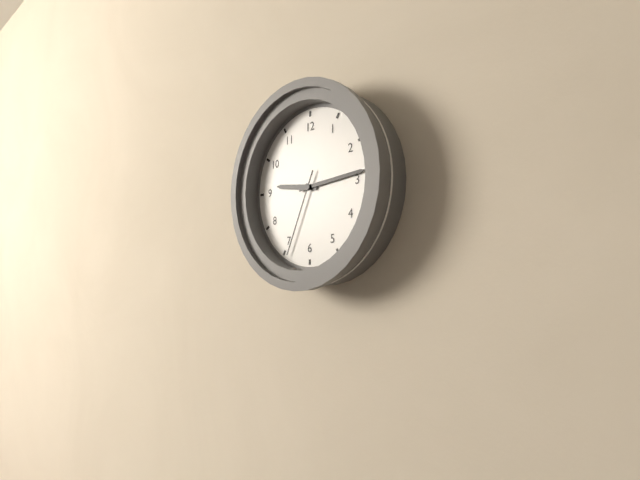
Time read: 9:14:34
